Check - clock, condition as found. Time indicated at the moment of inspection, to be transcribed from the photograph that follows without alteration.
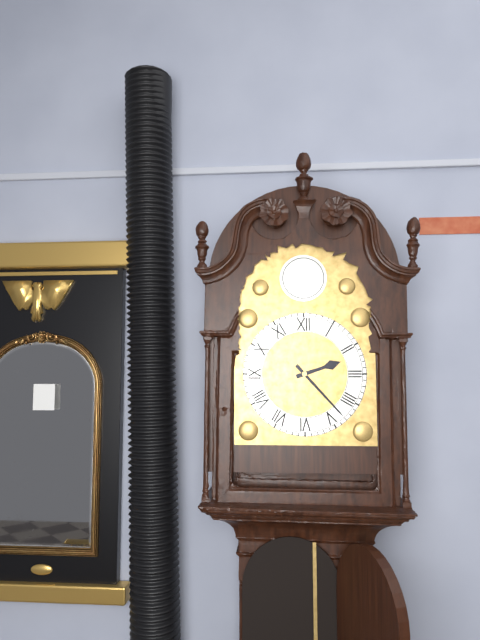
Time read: 2:23
